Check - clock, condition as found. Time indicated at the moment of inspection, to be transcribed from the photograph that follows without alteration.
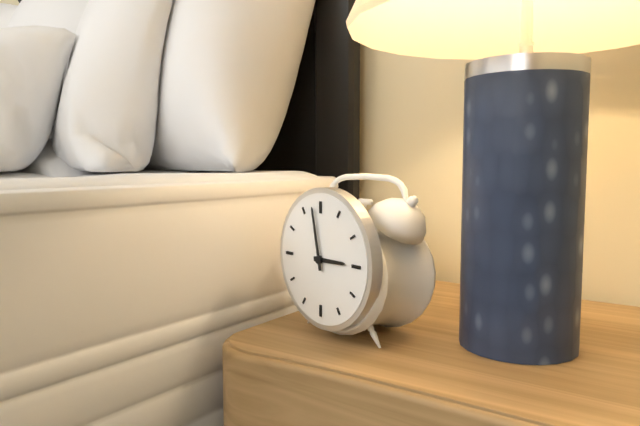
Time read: 2:58
